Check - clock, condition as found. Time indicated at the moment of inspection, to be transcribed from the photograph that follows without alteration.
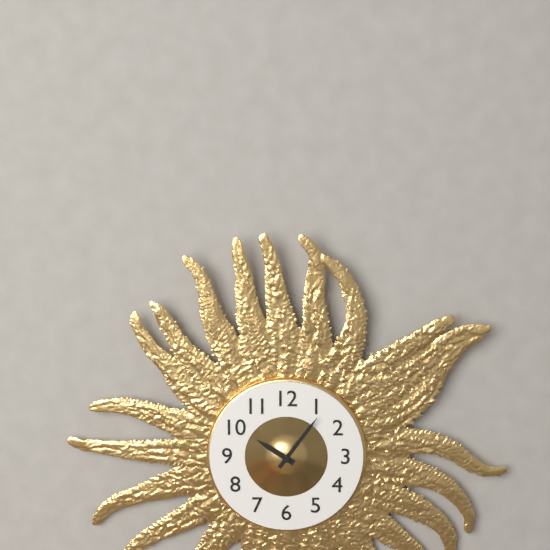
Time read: 10:06
